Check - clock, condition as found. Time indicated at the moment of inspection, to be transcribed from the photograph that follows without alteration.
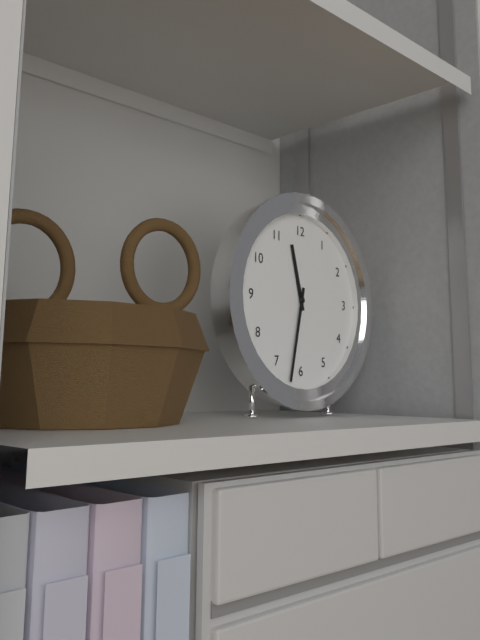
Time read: 11:32
